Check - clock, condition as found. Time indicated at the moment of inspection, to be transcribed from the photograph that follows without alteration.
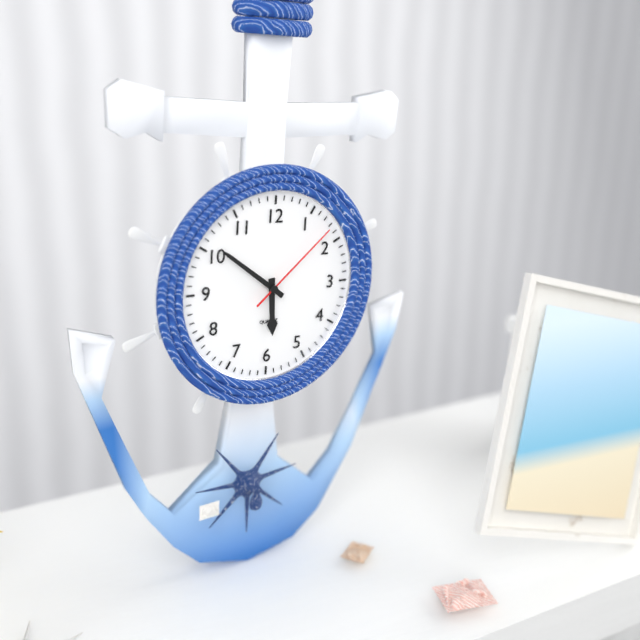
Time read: 5:51:08
